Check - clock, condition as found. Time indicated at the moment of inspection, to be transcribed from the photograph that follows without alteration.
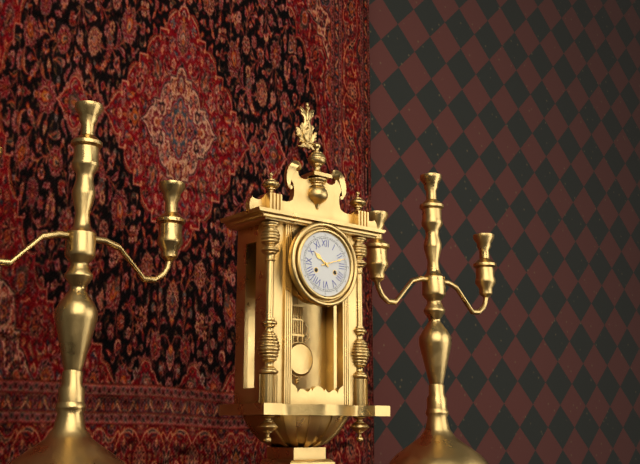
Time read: 10:12
